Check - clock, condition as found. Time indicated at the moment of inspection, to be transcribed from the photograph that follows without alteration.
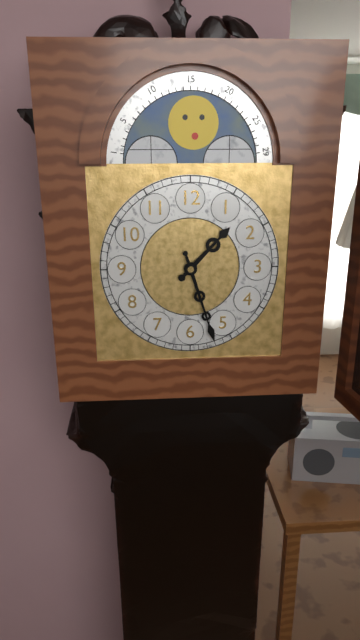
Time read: 1:27
